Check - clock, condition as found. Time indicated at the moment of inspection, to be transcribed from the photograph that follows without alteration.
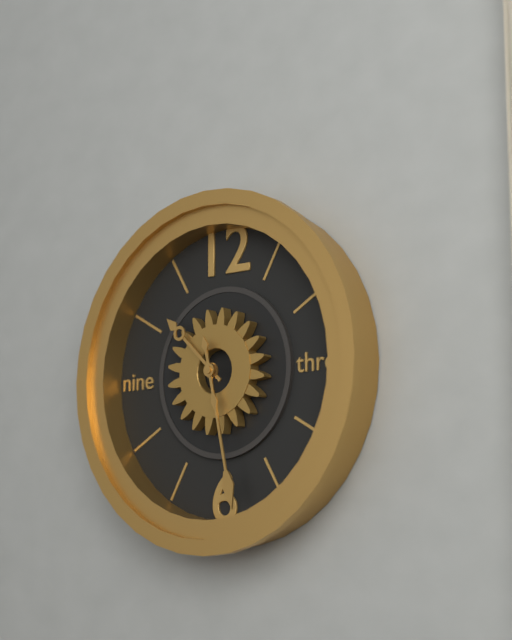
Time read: 10:28
